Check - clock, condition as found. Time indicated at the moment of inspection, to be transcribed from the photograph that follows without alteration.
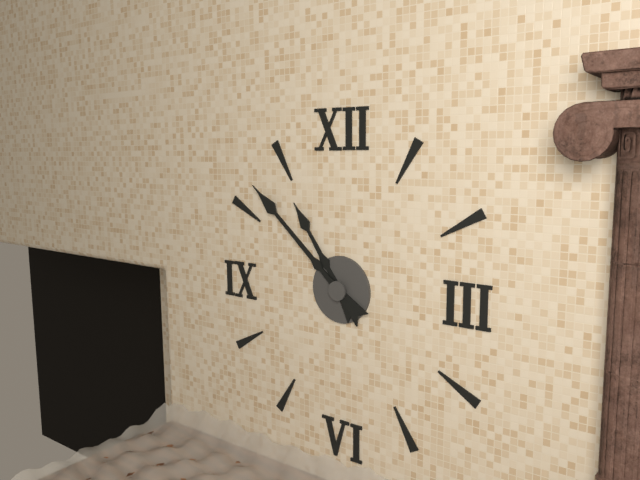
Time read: 10:52
